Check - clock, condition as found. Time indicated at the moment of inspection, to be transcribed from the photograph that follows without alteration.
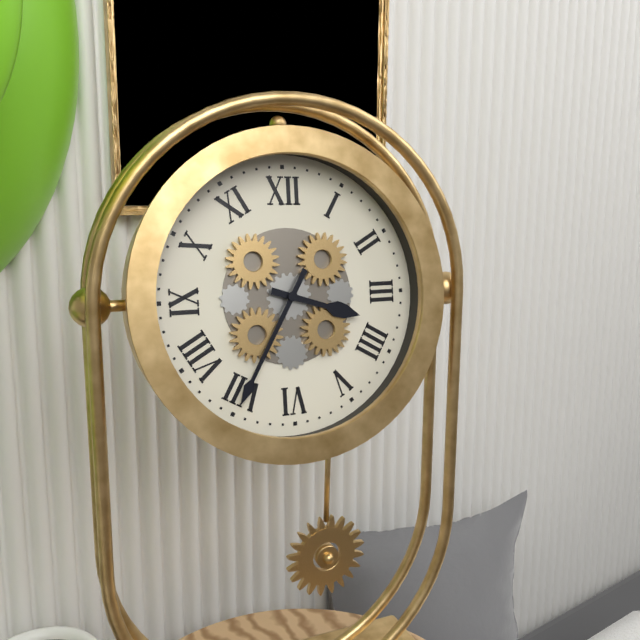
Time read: 3:35
